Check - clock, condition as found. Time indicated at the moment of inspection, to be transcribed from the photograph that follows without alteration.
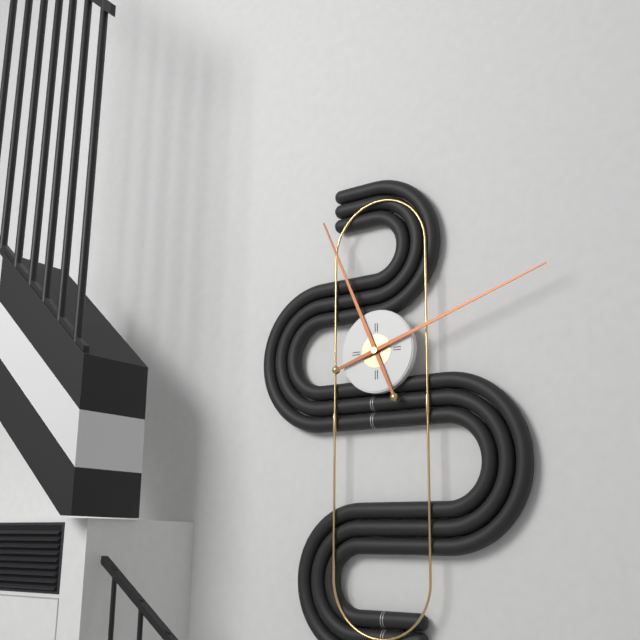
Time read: 11:12
